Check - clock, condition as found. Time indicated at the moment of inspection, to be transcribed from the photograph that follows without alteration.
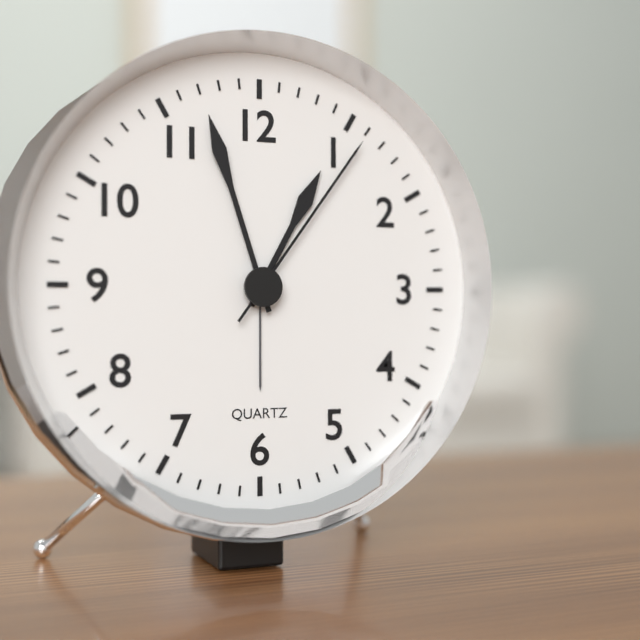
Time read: 12:57:06
